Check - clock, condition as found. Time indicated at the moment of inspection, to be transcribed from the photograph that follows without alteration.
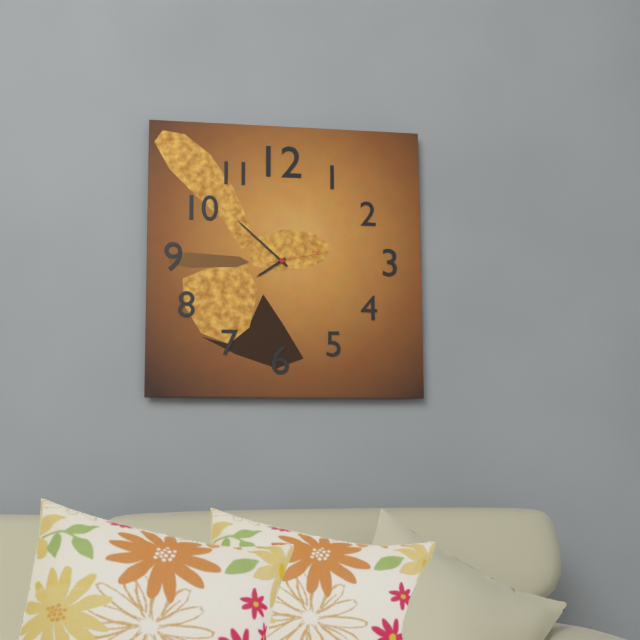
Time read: 7:52:13
